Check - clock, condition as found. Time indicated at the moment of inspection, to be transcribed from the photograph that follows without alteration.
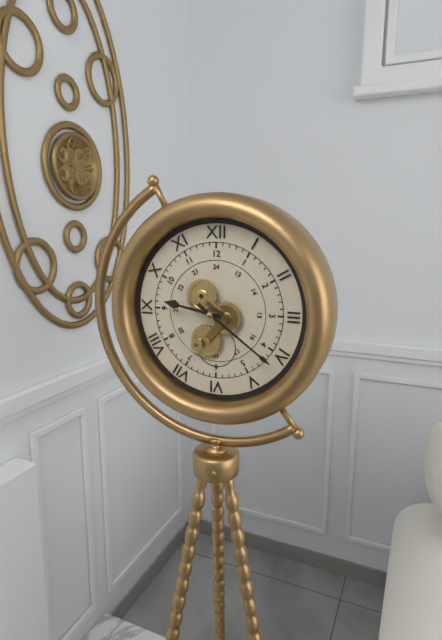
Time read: 9:21
